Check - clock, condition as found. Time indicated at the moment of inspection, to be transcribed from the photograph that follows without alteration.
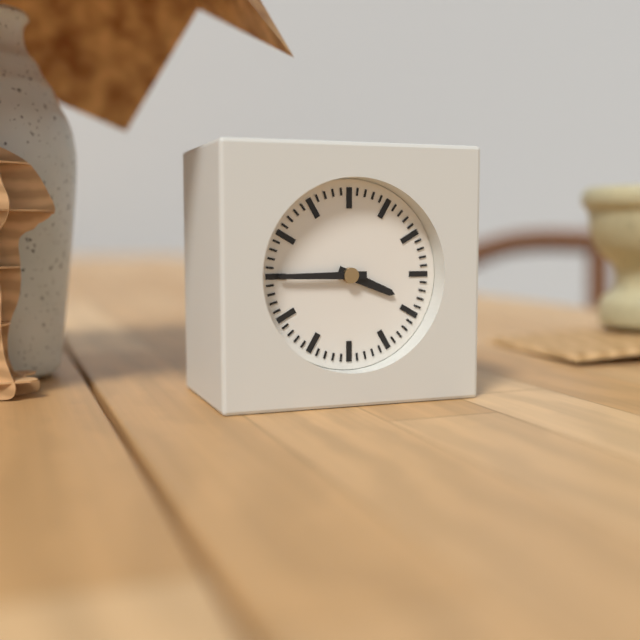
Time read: 3:45
